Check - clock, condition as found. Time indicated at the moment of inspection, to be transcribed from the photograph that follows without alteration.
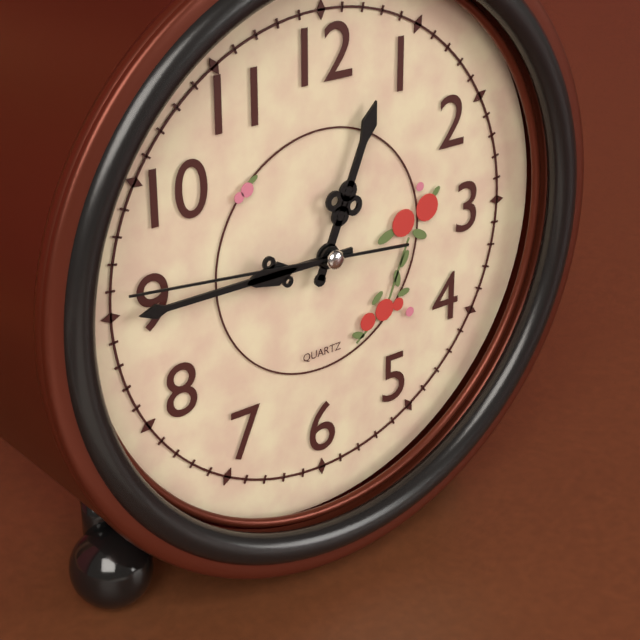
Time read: 12:45:46
